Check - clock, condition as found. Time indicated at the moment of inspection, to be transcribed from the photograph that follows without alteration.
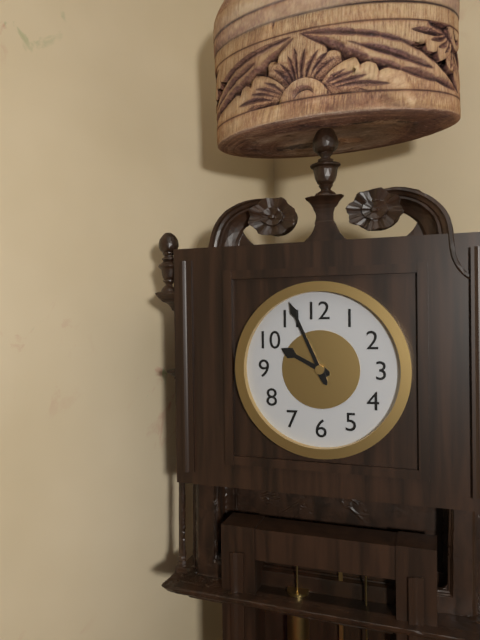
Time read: 9:56
